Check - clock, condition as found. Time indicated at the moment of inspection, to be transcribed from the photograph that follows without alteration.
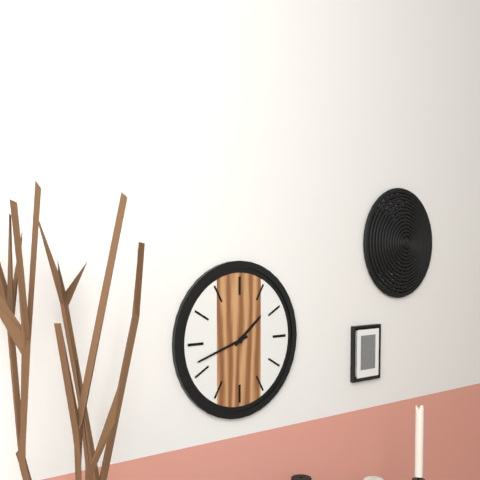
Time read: 1:42
